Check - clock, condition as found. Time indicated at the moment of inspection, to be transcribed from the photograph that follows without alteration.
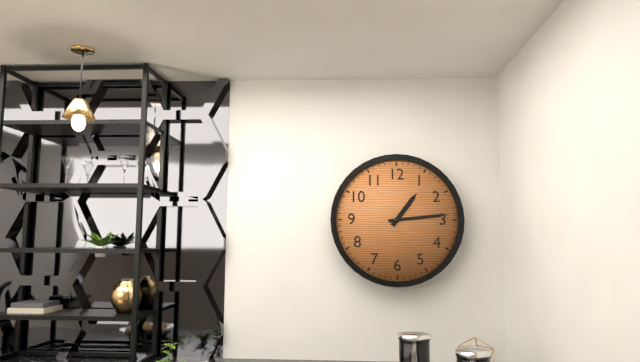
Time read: 1:14
